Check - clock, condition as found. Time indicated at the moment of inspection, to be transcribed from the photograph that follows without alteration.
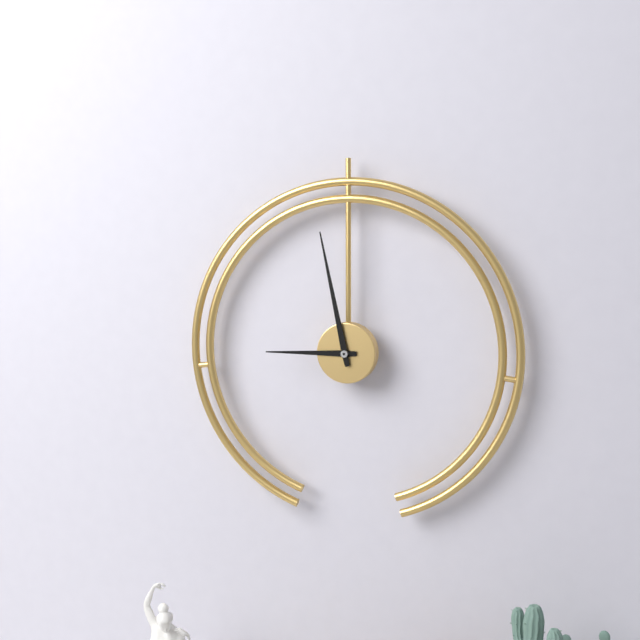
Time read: 8:58
